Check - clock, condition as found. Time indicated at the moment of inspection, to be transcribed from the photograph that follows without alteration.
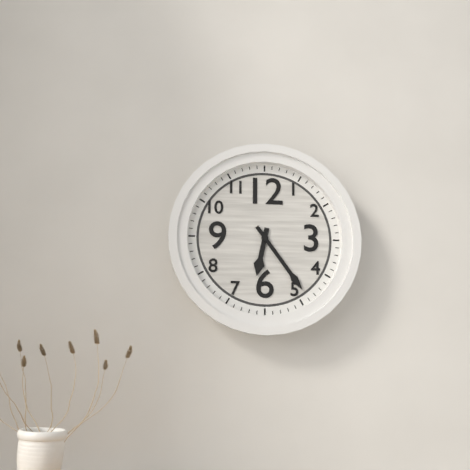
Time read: 6:24
